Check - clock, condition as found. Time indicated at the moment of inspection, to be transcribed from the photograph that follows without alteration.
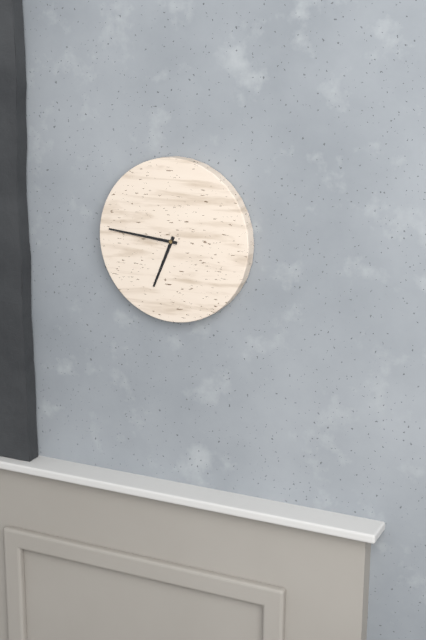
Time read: 6:46
